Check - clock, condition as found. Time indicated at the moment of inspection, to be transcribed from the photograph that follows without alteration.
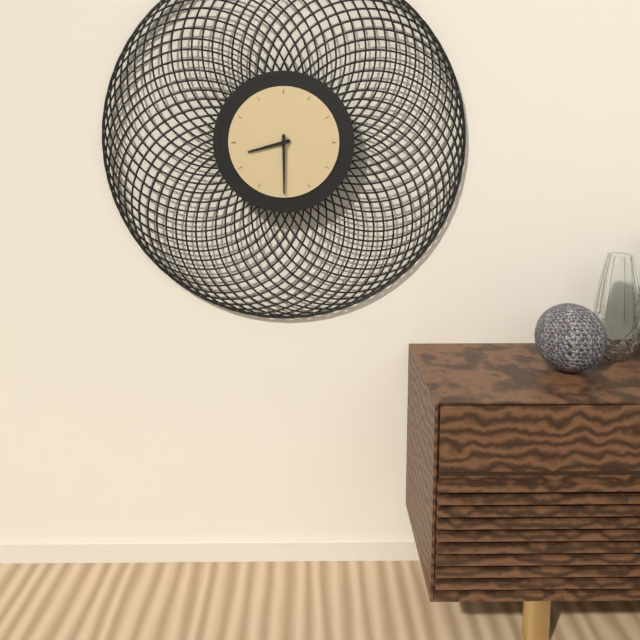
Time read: 8:30
